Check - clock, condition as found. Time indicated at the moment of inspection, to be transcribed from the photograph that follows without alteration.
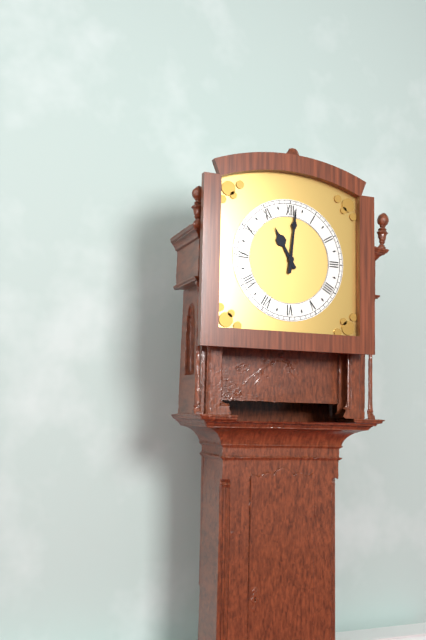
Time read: 11:01
